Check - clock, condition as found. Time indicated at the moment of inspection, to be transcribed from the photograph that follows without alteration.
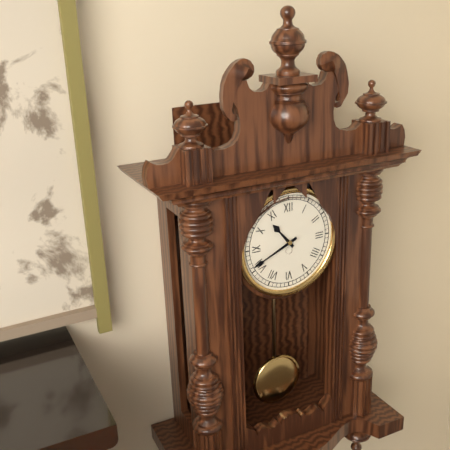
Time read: 10:41
